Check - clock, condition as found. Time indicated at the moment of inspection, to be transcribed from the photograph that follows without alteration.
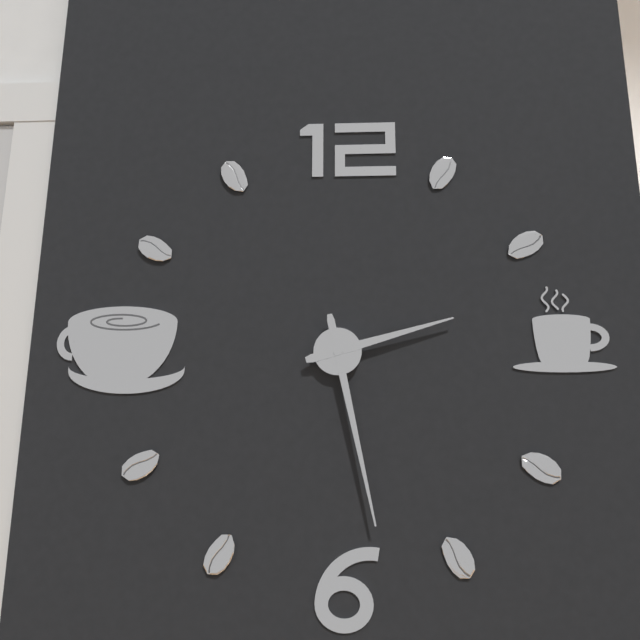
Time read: 2:28
